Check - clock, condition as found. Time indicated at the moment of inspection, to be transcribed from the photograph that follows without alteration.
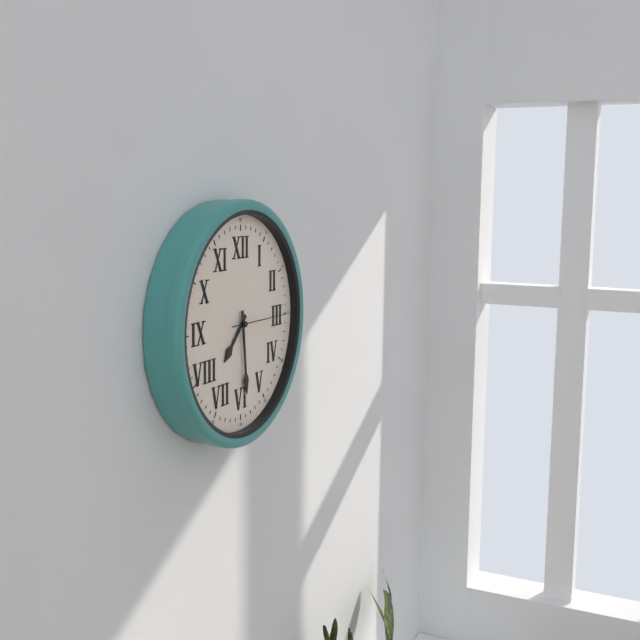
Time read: 7:29:15
